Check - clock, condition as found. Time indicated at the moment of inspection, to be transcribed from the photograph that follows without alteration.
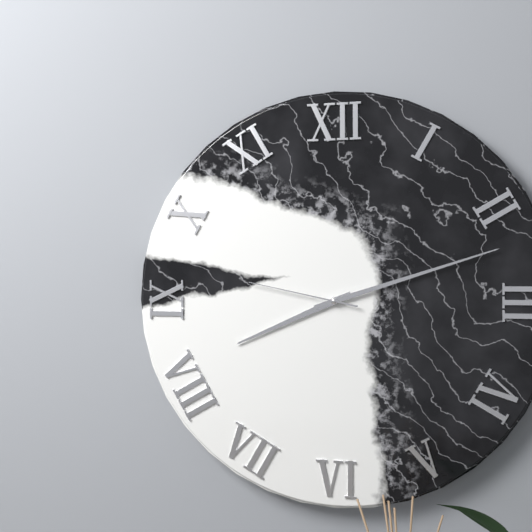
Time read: 8:12:47
